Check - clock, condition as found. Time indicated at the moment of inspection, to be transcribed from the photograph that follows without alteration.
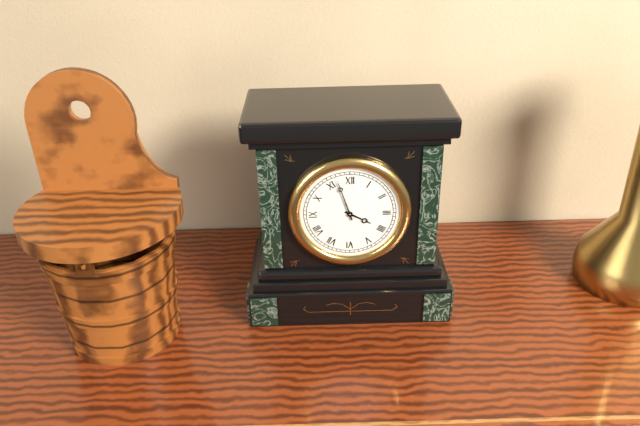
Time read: 3:57
